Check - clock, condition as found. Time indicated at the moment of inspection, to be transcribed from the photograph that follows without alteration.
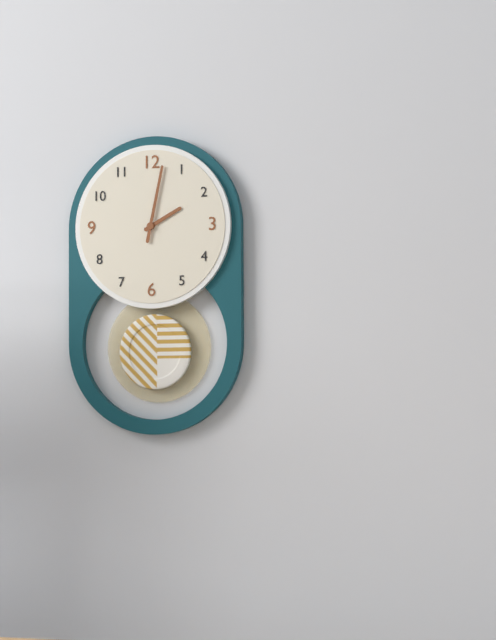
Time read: 2:02
